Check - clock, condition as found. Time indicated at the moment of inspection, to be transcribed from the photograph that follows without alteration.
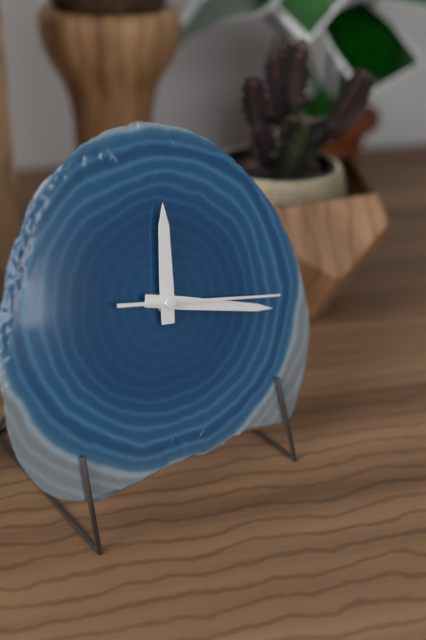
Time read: 12:18:17
